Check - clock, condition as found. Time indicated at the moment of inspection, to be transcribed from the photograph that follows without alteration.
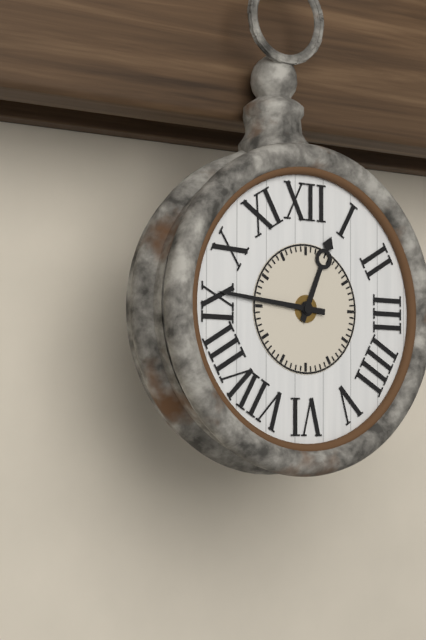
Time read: 12:46
